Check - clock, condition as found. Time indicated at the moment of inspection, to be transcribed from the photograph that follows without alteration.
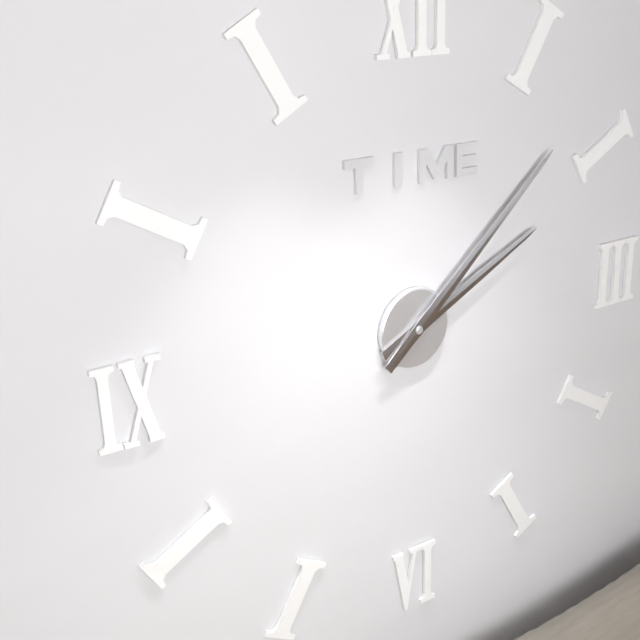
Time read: 2:08
